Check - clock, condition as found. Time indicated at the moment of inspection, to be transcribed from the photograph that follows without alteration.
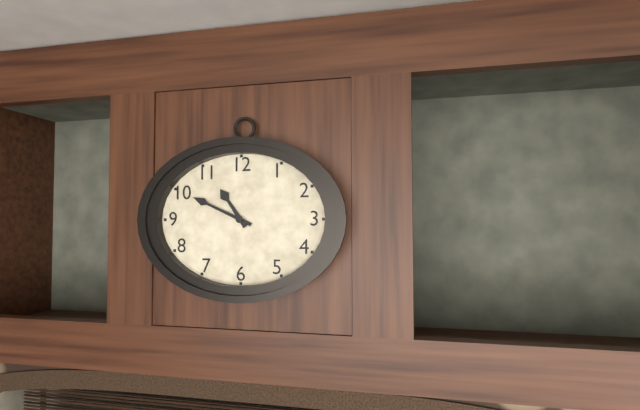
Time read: 10:49
